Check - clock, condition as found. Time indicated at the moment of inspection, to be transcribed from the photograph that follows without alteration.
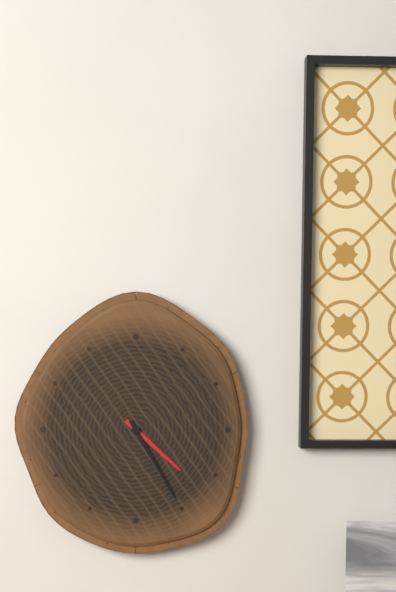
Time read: 4:25
